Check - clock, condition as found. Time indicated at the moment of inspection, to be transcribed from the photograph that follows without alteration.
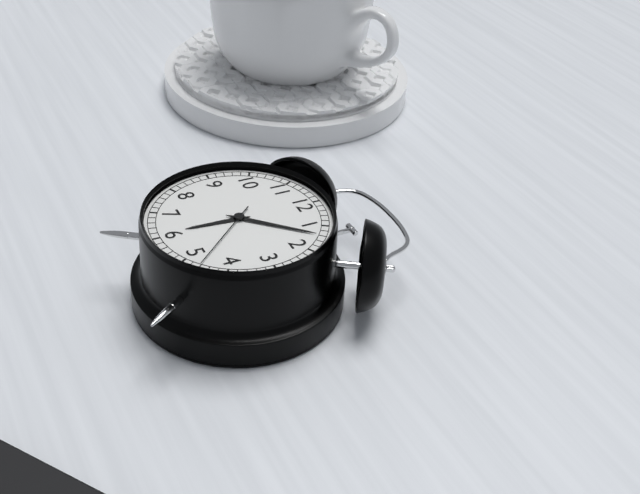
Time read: 6:07:23
